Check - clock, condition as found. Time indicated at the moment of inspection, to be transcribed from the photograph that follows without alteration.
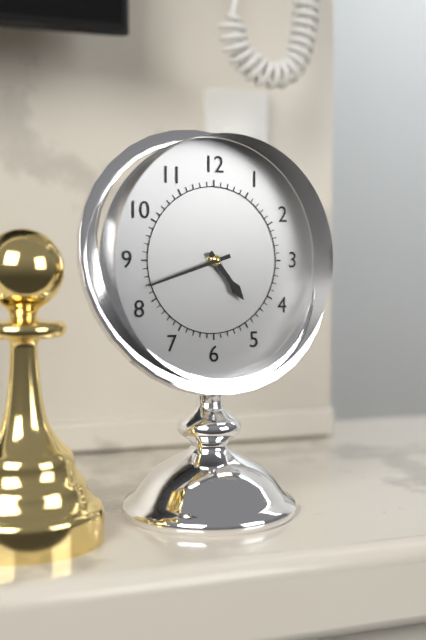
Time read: 4:42
